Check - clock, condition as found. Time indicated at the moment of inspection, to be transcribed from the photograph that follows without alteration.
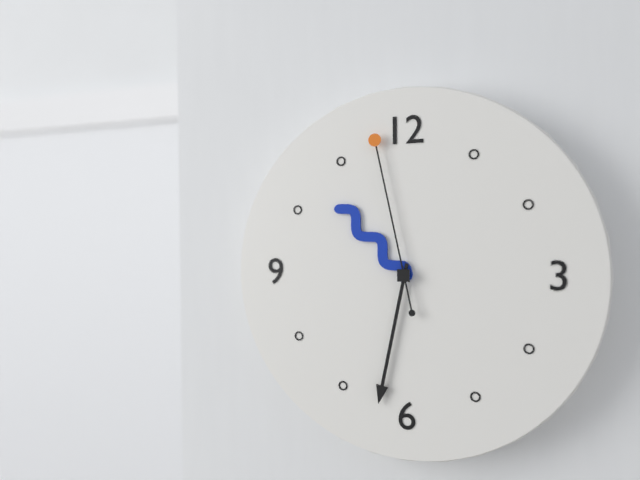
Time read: 10:32:58
